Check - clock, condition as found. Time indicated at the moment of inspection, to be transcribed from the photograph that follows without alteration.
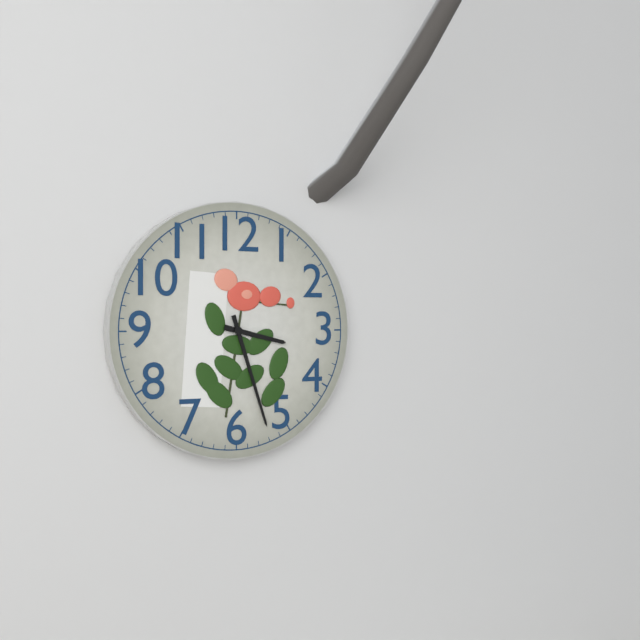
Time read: 3:27
